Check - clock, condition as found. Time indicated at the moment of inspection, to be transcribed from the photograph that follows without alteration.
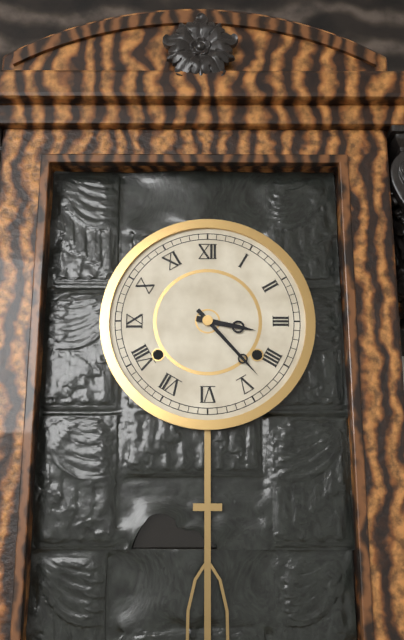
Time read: 3:23
